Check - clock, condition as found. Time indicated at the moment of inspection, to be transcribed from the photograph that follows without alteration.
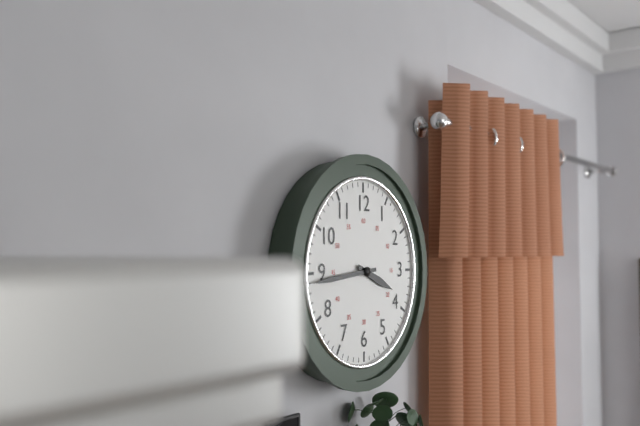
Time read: 3:44
